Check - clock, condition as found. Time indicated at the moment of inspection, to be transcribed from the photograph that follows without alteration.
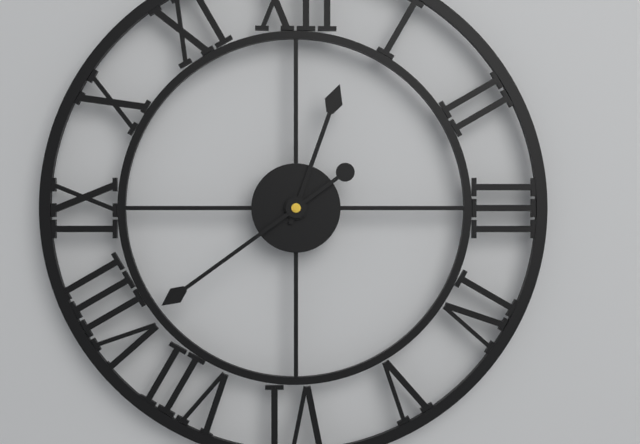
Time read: 12:39
